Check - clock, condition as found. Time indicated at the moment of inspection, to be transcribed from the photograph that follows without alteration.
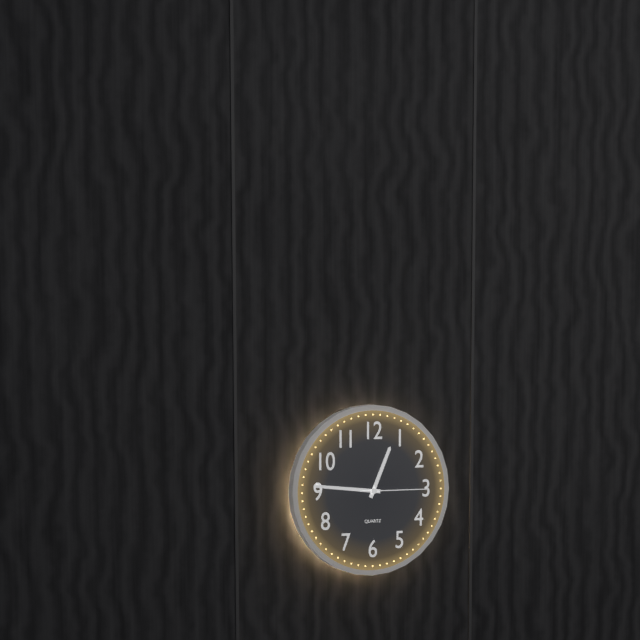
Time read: 12:46:15
